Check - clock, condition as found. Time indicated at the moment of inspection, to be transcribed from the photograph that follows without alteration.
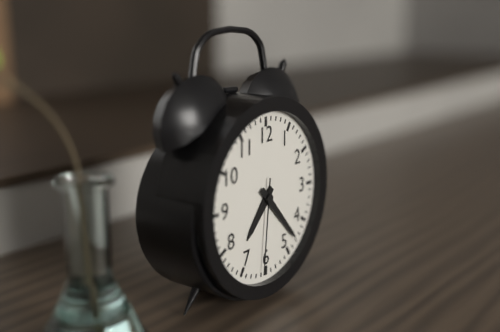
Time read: 7:23:31
